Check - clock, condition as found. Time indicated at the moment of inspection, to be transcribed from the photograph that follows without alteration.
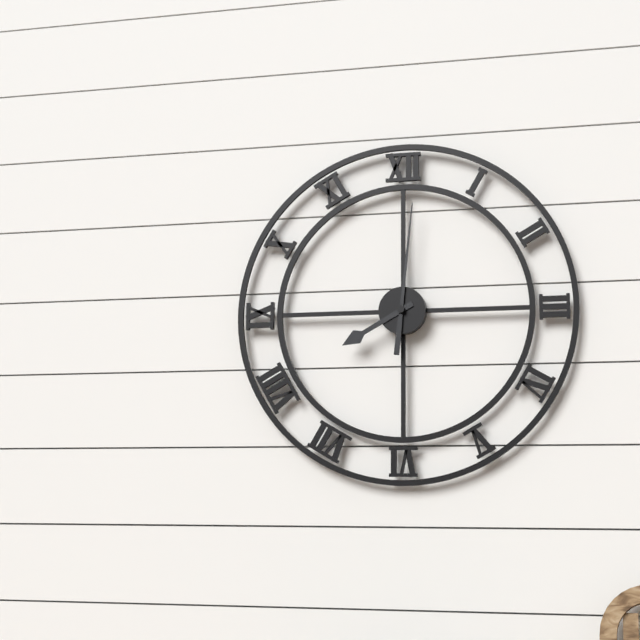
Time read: 8:01
